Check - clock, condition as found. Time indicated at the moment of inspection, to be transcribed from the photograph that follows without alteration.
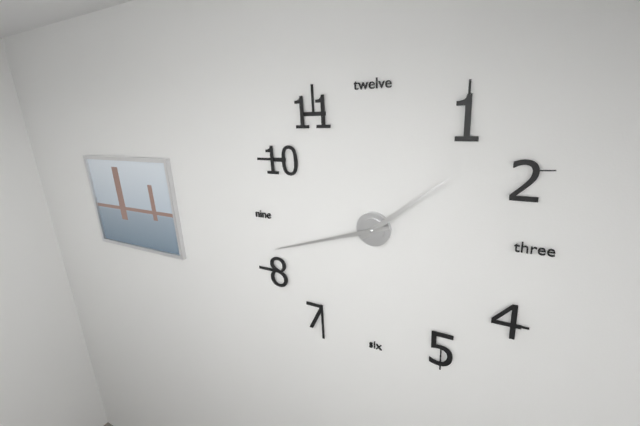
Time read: 1:42
